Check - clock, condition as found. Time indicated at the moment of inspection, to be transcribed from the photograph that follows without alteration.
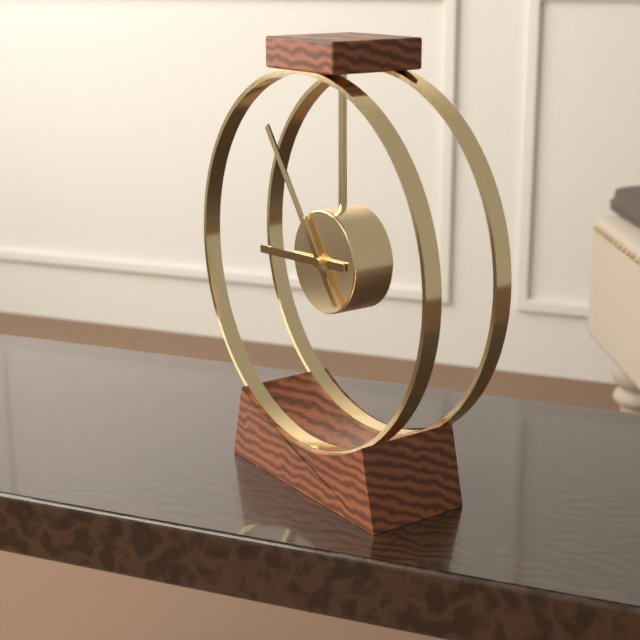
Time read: 8:54
